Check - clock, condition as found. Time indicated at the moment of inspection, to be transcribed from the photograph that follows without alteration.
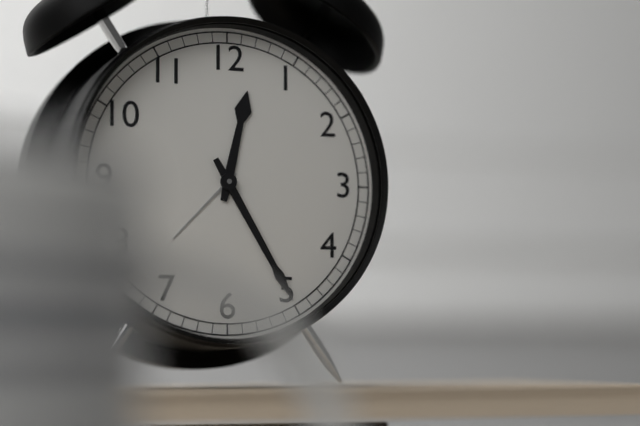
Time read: 12:25
